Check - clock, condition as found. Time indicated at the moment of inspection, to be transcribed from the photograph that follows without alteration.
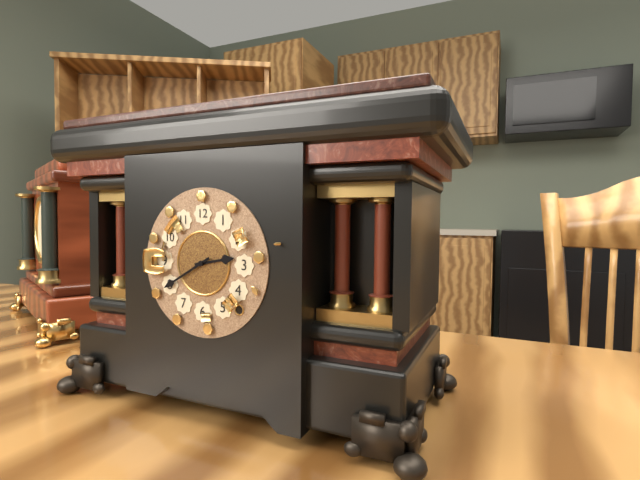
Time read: 2:40
